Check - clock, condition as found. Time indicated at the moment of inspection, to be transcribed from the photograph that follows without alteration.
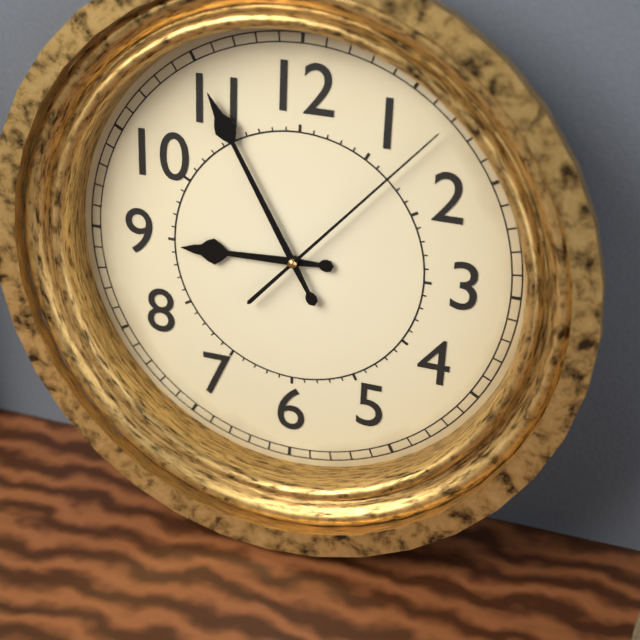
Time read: 8:55:07
